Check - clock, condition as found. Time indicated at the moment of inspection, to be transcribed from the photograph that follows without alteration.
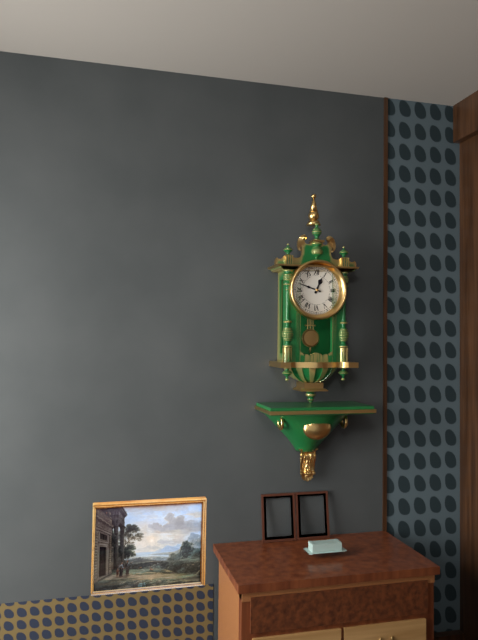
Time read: 12:48
